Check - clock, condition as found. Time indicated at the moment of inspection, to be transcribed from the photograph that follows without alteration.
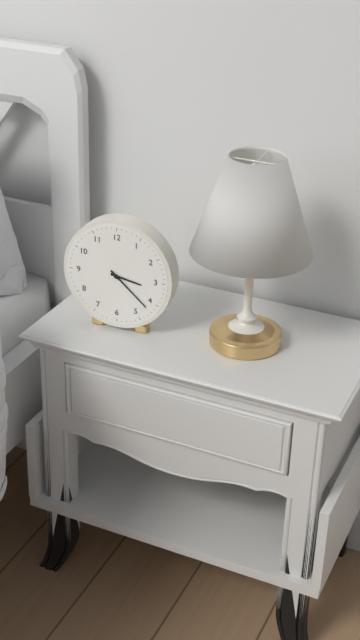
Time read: 3:22
